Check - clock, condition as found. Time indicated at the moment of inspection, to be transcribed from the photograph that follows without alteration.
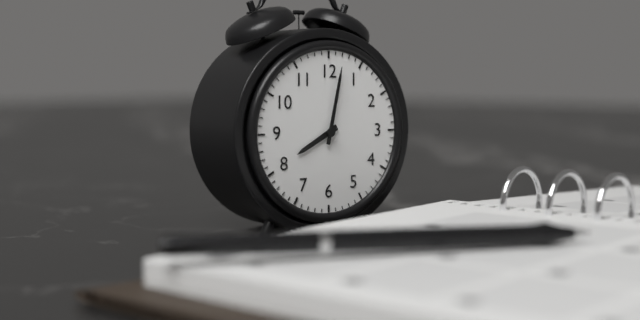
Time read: 8:02
